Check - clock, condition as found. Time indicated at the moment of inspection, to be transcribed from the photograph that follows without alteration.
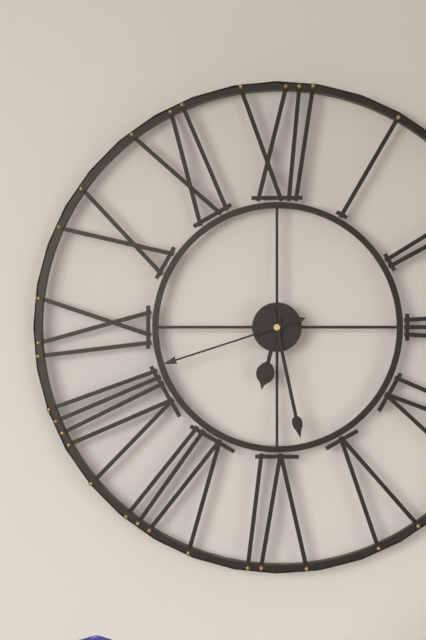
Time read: 6:28:42
